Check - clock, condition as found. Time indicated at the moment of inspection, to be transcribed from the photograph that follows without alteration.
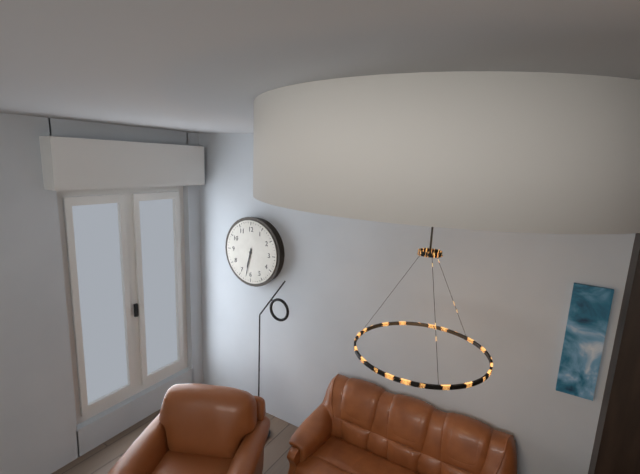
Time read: 6:32
